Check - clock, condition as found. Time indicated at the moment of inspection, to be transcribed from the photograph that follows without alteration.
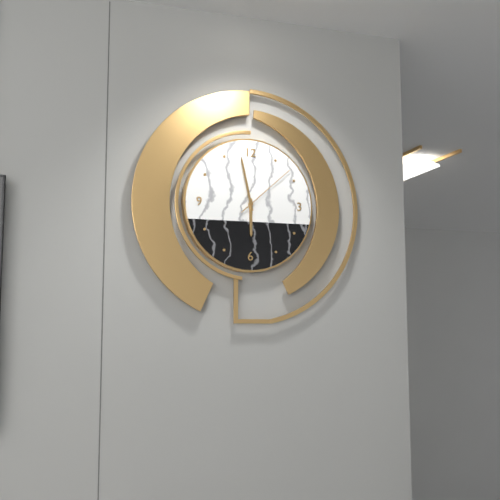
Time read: 5:58:08
